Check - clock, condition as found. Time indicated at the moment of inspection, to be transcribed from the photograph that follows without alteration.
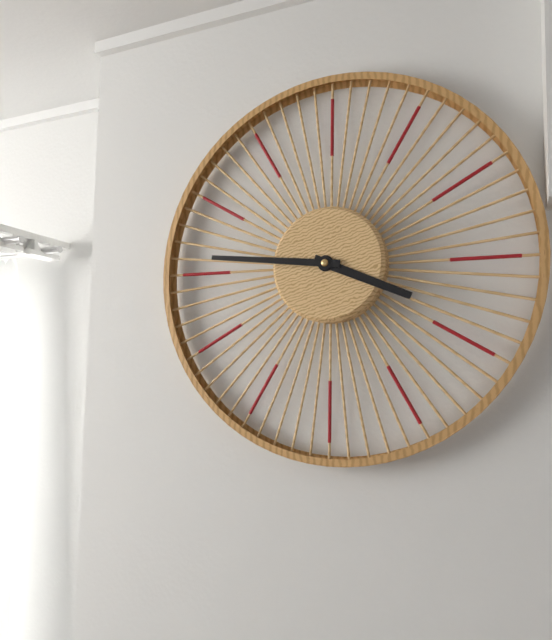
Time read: 3:46
